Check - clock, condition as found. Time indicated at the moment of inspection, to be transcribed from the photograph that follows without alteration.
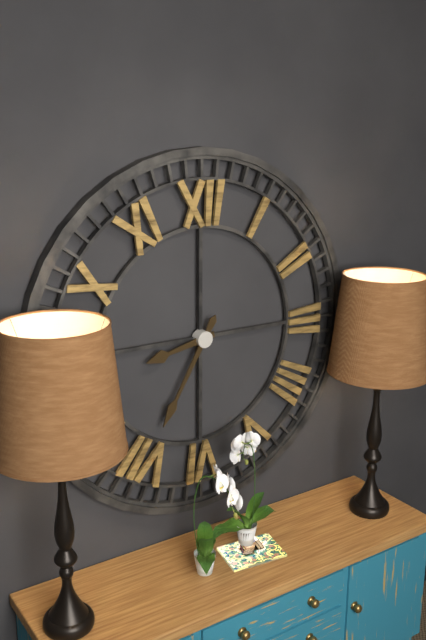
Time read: 8:35
